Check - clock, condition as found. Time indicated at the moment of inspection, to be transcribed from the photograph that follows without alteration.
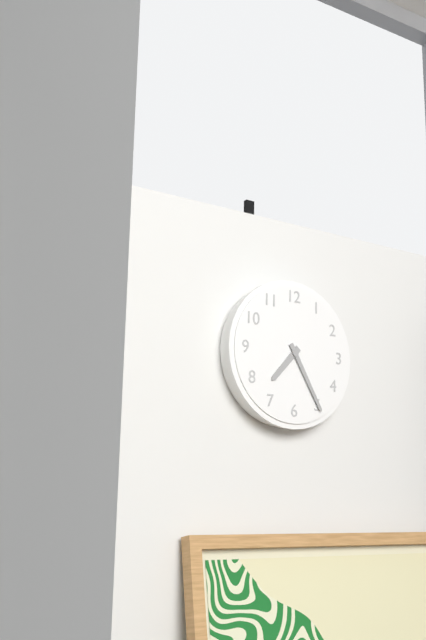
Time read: 7:25
